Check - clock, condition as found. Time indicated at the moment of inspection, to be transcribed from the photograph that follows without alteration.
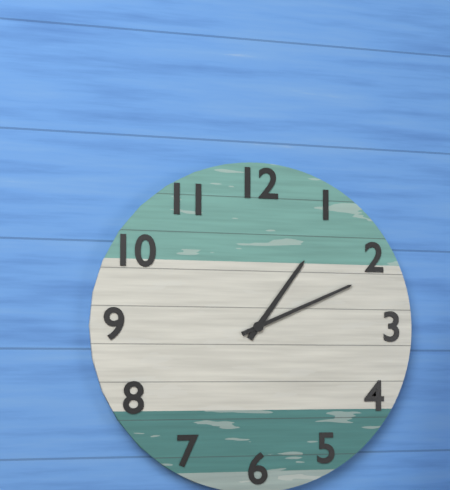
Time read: 1:11
